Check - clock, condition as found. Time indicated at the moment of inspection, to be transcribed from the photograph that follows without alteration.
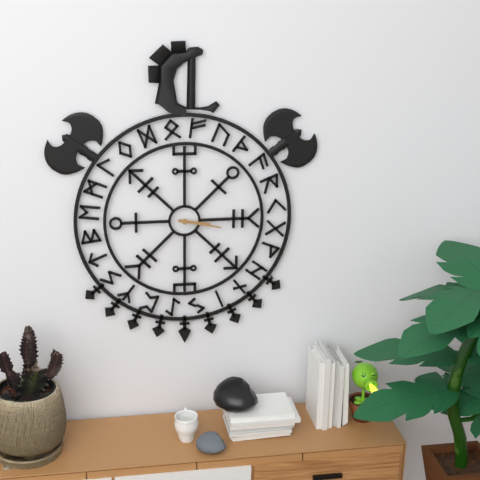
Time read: 3:17
